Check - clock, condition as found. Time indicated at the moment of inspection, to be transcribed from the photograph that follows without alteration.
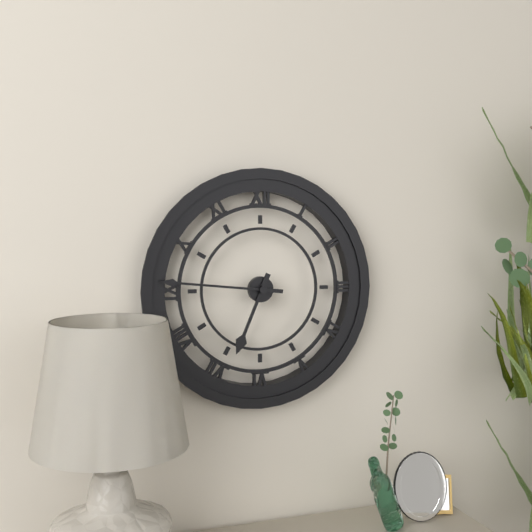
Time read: 6:46
